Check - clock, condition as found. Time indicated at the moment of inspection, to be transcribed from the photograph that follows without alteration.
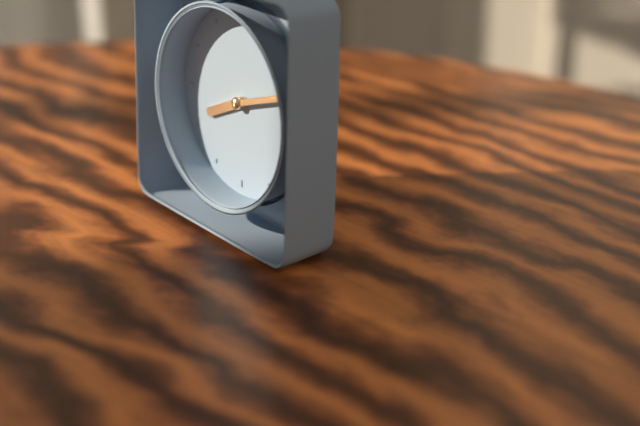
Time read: 8:12
